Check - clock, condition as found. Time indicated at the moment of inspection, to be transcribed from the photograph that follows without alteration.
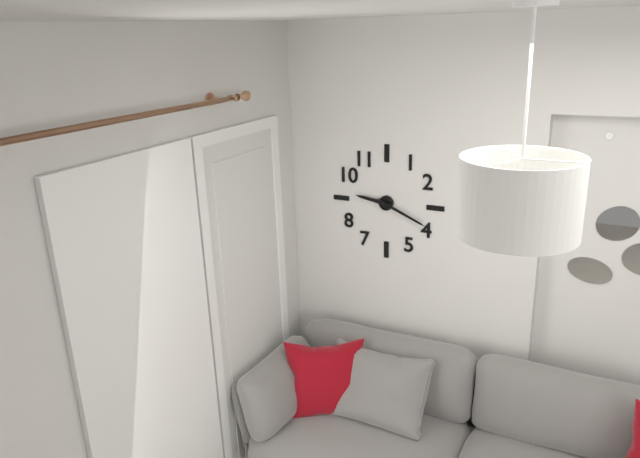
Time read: 9:19
